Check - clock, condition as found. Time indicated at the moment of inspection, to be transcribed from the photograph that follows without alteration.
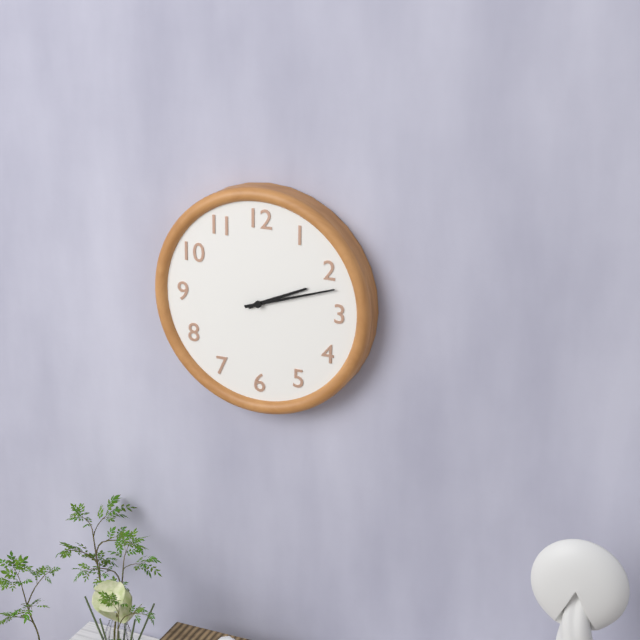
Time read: 2:12
